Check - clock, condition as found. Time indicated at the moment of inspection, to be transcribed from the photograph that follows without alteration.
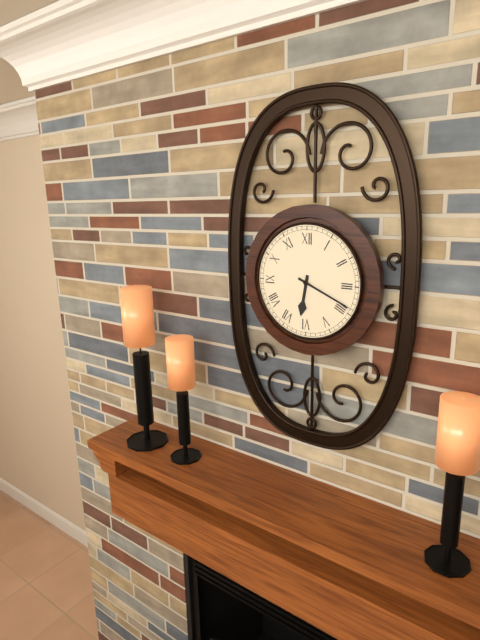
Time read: 6:19
